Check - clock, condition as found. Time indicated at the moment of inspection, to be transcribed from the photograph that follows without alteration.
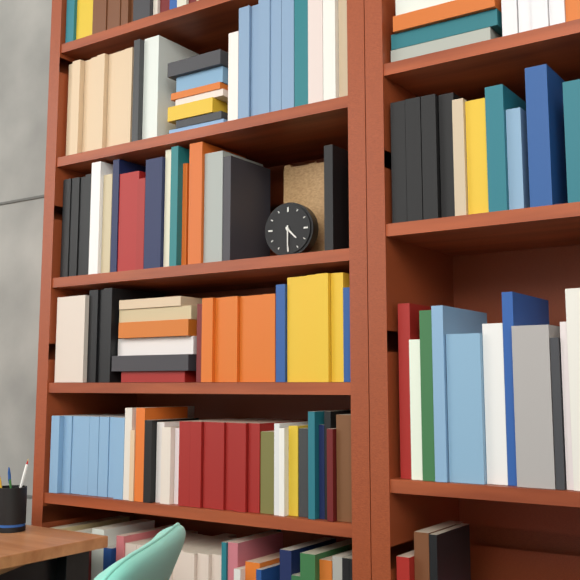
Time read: 4:30
